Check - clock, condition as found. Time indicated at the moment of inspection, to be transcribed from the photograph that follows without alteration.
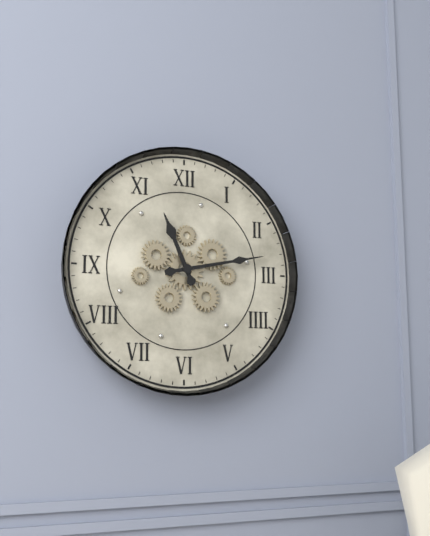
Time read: 11:13
